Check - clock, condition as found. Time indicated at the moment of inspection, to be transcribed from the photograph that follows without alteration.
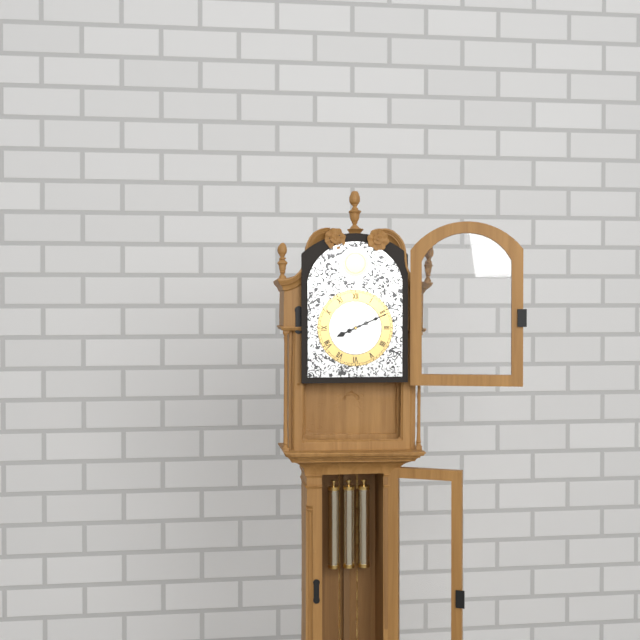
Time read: 8:11
